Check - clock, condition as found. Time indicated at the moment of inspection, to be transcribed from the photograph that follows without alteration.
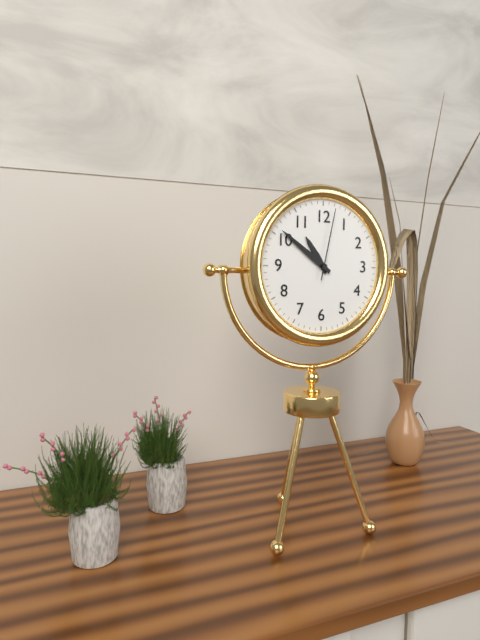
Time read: 10:51:02
